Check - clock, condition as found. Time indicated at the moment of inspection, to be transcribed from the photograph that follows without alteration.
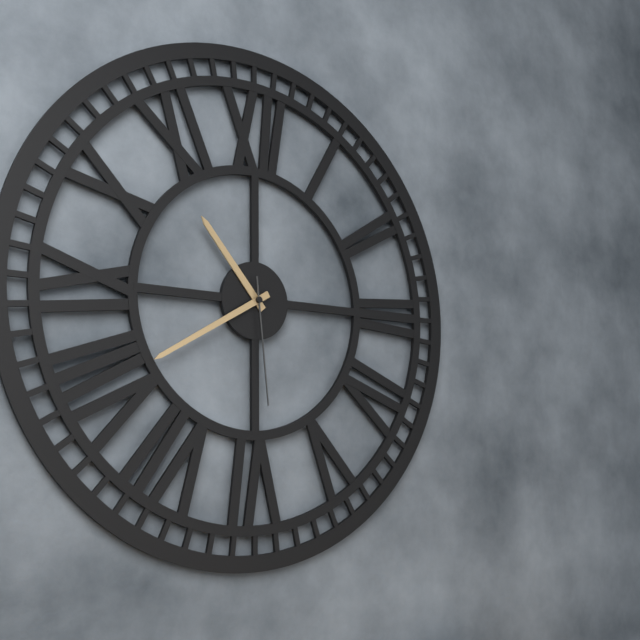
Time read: 10:40:29
